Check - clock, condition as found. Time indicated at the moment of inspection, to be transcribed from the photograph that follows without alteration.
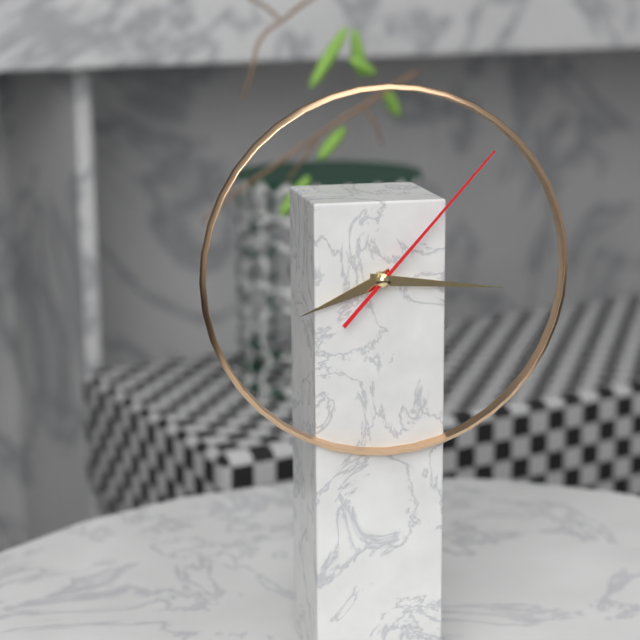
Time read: 8:16:07
